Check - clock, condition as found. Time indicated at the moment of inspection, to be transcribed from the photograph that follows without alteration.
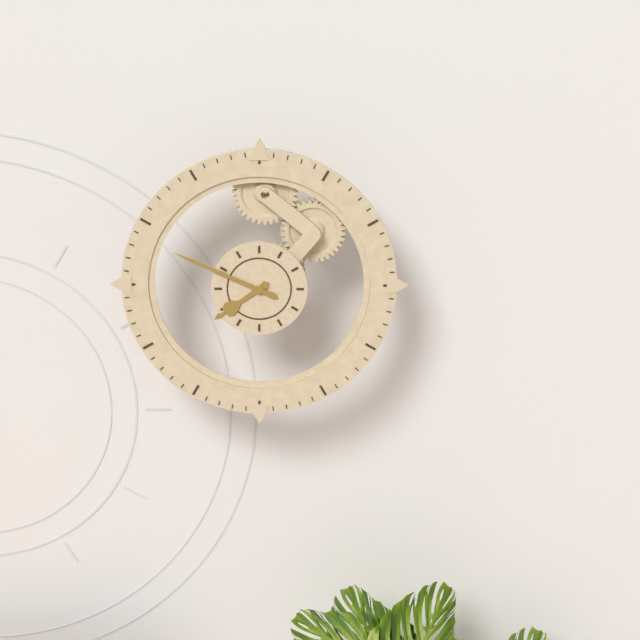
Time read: 7:49
